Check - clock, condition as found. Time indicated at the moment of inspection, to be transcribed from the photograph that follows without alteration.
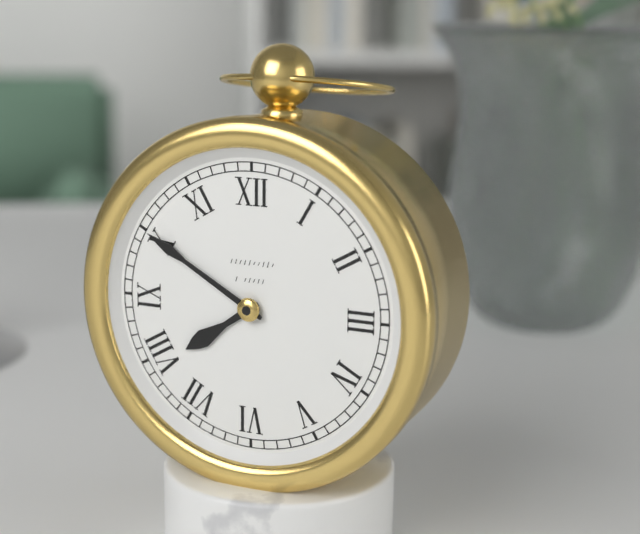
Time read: 7:50
